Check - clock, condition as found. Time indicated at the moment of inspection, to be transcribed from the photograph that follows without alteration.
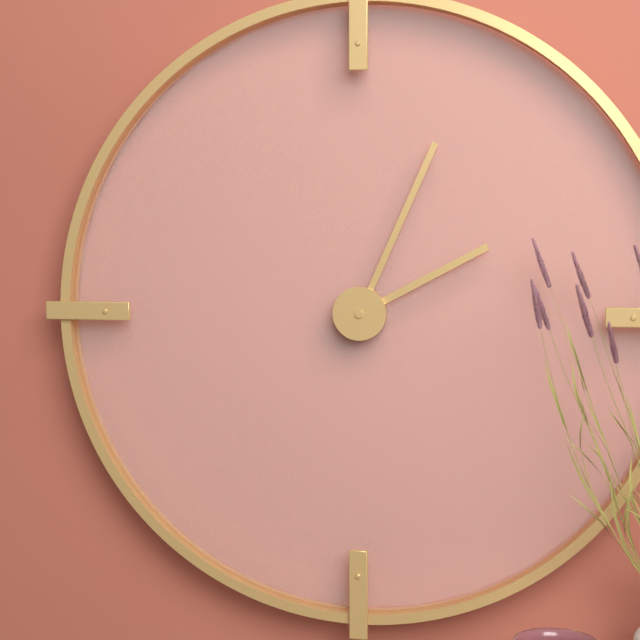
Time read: 2:04
